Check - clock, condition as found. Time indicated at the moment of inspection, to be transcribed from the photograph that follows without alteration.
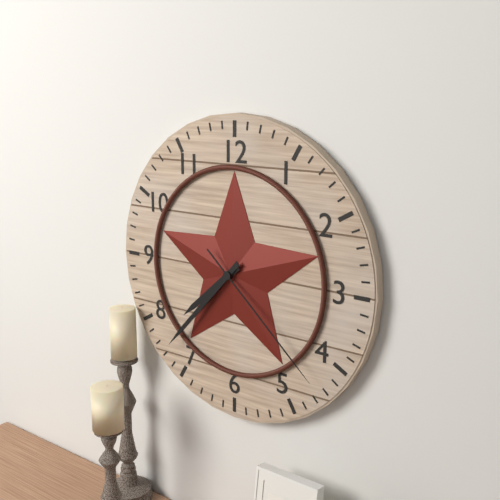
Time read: 7:37:22
